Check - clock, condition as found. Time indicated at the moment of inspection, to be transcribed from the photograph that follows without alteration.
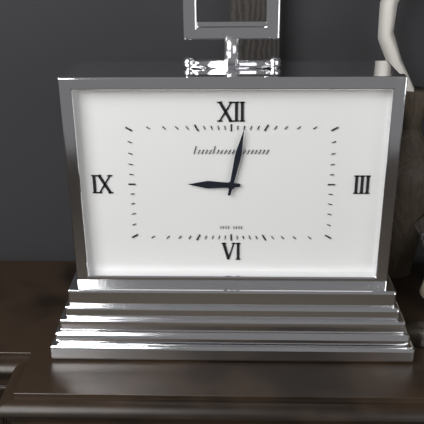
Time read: 9:02
